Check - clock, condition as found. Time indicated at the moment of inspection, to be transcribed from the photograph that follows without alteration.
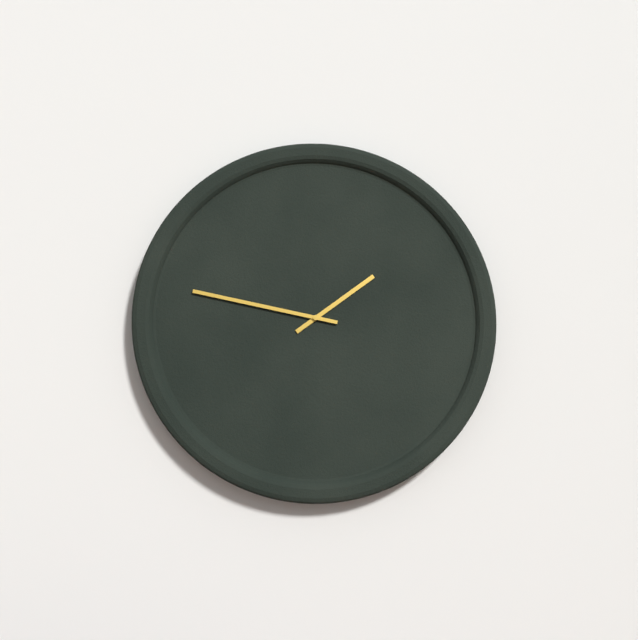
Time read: 1:47
